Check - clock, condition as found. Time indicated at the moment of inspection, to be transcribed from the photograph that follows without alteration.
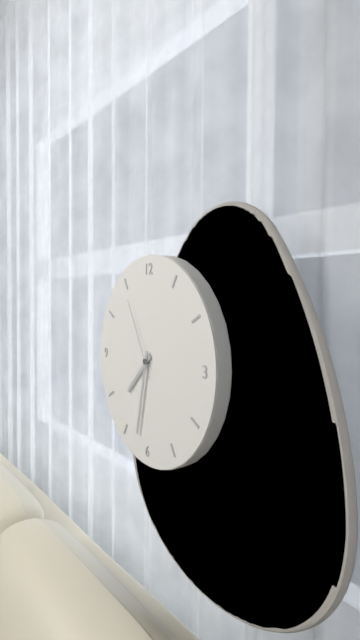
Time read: 7:32:55
